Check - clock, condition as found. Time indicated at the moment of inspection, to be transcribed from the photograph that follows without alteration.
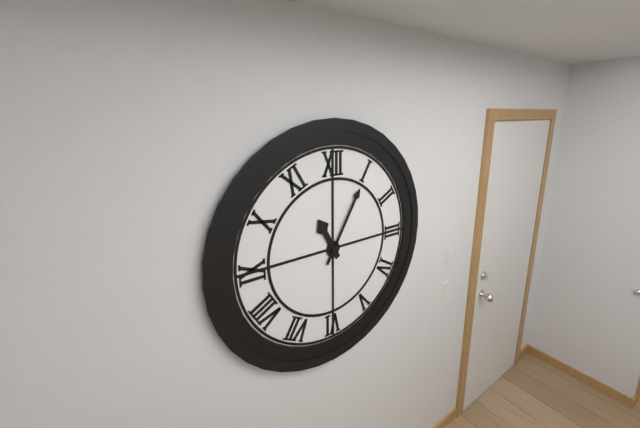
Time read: 11:05
